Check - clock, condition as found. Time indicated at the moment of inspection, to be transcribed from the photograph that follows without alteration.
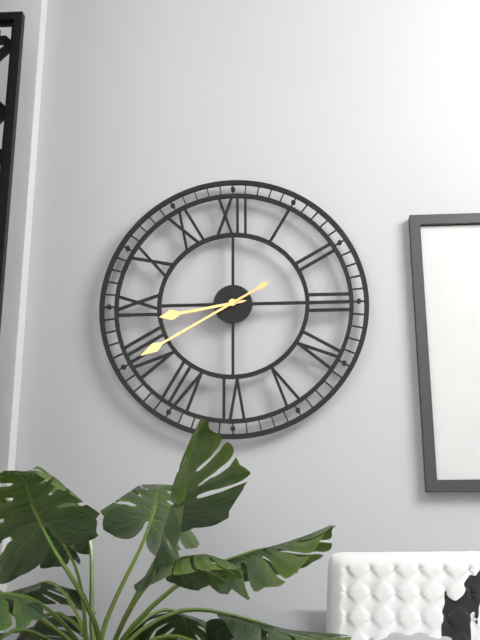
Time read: 8:40
